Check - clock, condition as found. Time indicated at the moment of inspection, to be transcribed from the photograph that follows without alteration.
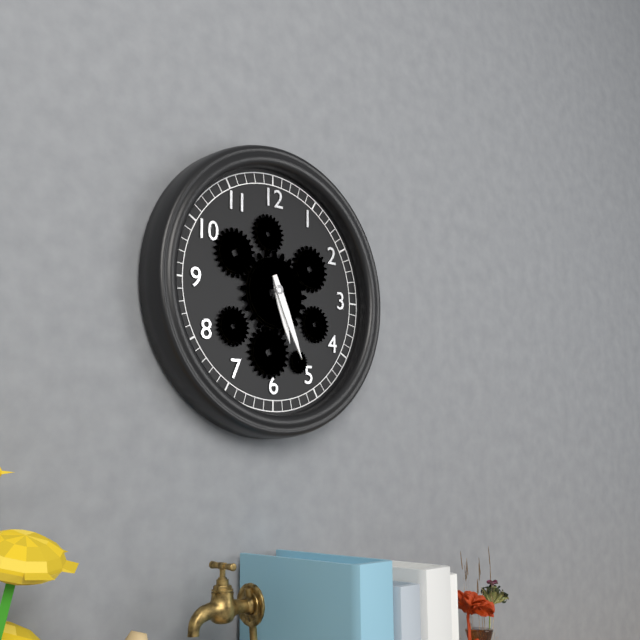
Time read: 5:26
